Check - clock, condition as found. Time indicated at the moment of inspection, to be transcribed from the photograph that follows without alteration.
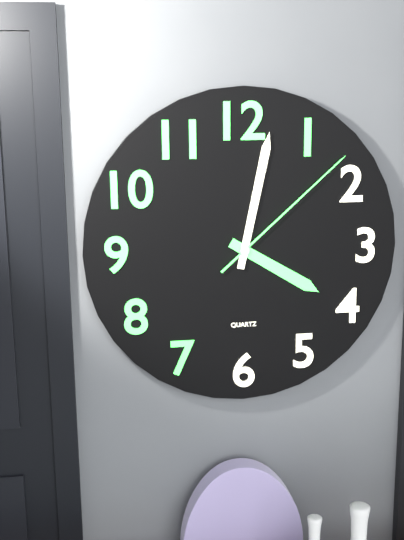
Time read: 4:02:08
